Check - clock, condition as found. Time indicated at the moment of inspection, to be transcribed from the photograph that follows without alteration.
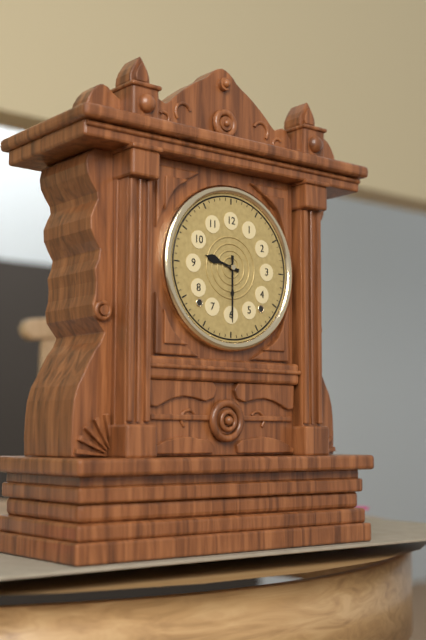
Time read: 9:30
